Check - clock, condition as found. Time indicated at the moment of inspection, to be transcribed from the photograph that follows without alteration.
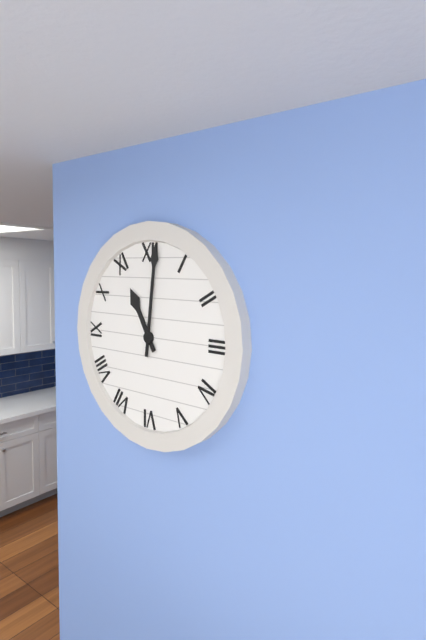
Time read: 11:01
